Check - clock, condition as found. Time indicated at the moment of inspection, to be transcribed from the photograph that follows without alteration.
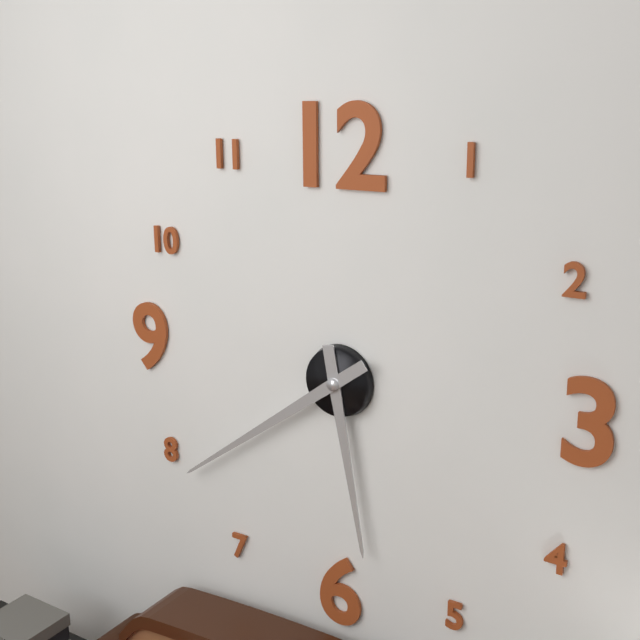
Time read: 5:39
